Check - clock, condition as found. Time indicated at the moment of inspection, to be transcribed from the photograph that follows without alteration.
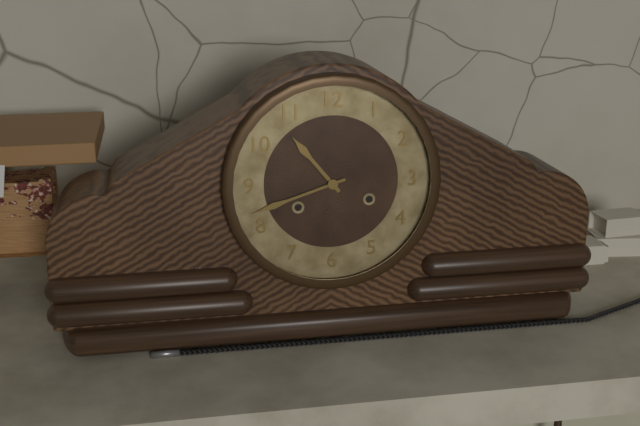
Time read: 10:42
